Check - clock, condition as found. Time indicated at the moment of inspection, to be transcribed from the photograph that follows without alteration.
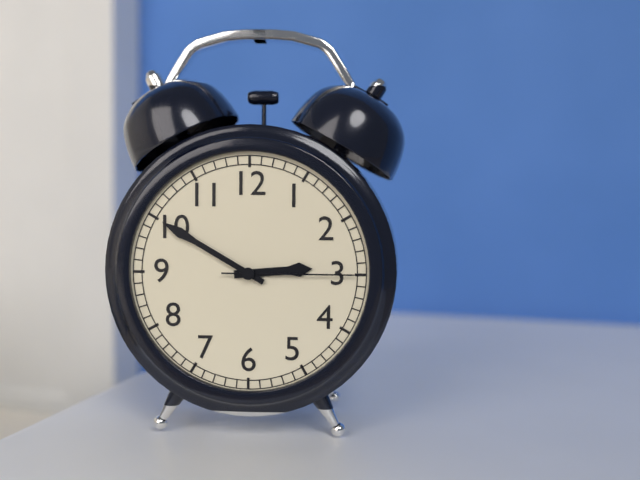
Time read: 2:50:15
